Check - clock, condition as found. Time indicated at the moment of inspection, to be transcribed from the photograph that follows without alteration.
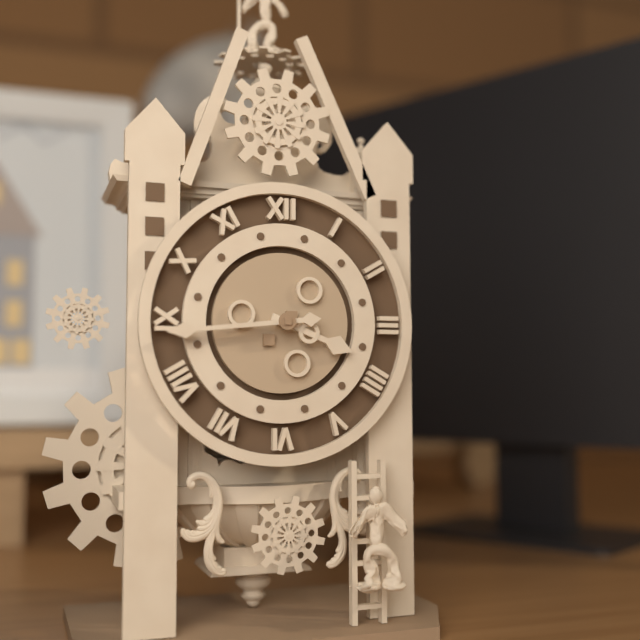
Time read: 3:44
